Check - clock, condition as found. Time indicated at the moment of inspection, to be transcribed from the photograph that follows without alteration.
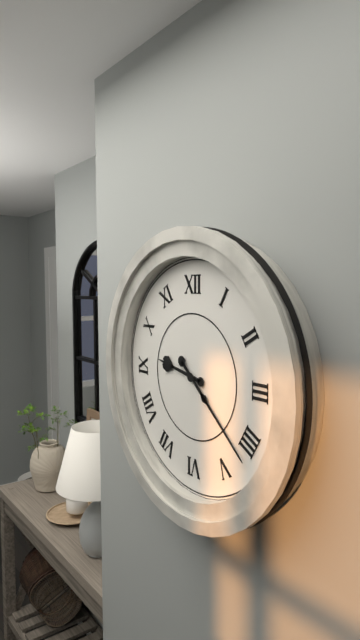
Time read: 9:22
